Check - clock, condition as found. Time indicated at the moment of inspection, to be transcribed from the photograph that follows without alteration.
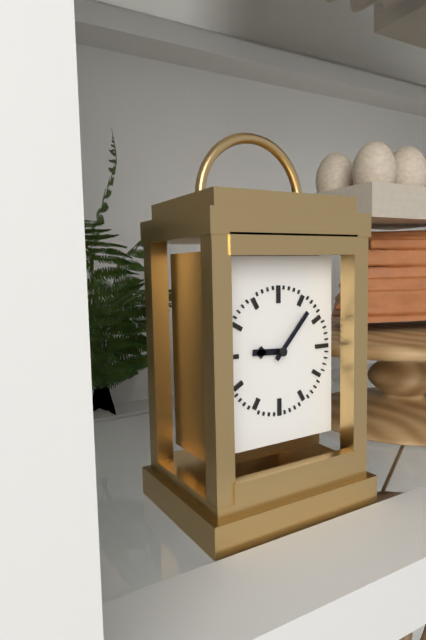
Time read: 9:07
